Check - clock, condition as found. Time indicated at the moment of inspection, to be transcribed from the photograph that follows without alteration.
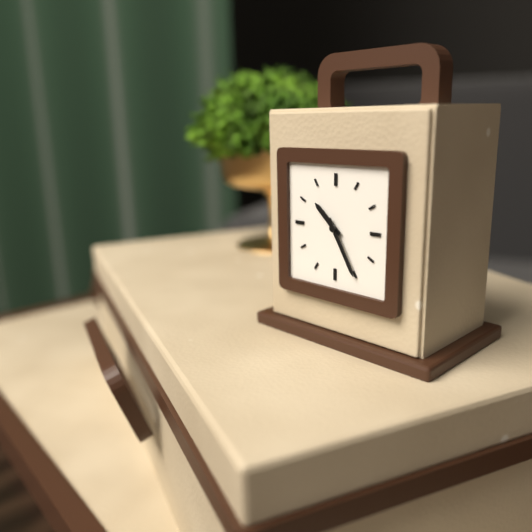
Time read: 10:25
